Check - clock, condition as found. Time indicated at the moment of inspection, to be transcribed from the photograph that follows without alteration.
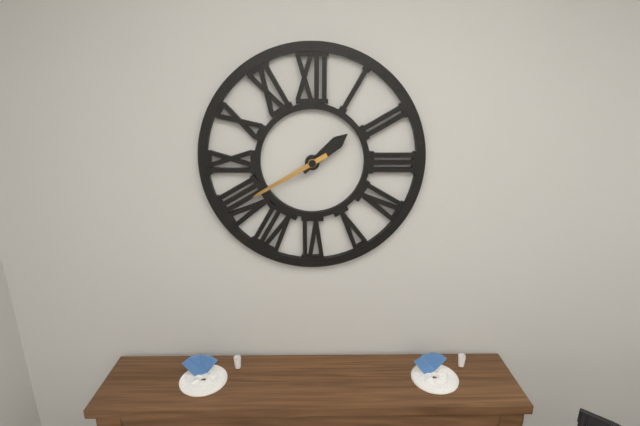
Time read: 1:40
